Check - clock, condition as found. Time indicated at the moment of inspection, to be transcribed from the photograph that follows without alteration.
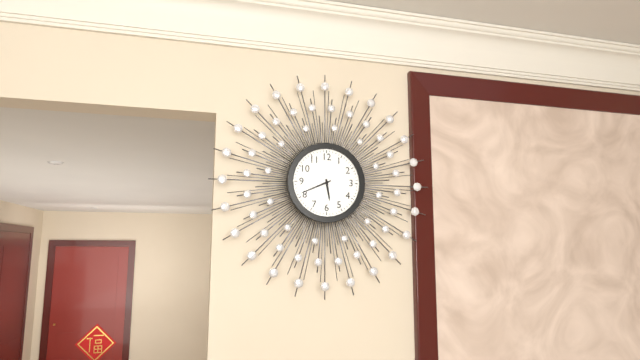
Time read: 5:41
